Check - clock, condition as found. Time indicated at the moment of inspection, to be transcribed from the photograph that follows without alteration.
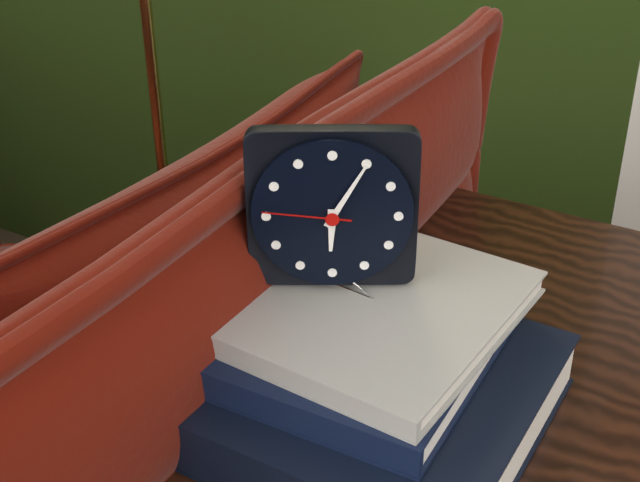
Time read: 6:05:46
